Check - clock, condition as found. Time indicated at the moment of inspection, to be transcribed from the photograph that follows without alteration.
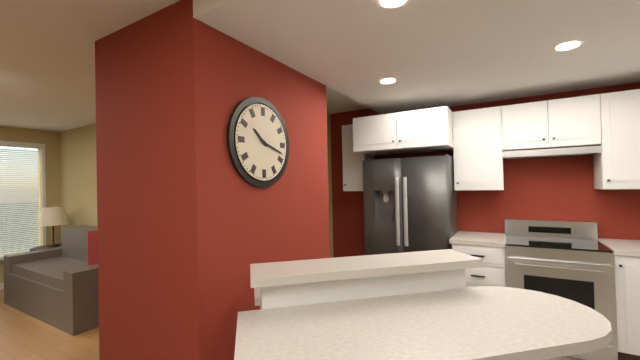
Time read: 10:18
